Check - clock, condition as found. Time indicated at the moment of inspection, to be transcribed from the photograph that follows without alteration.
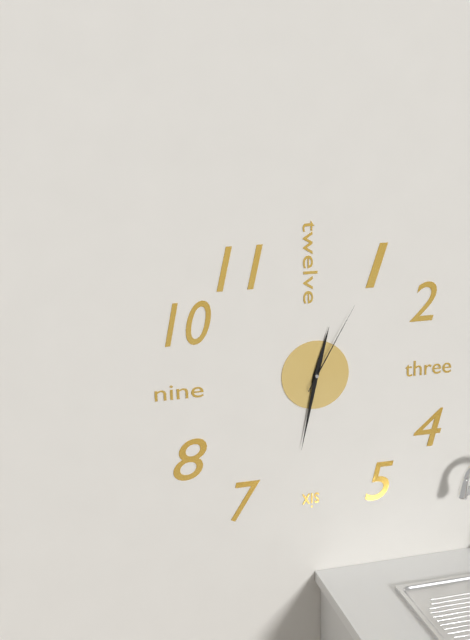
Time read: 12:32:05
